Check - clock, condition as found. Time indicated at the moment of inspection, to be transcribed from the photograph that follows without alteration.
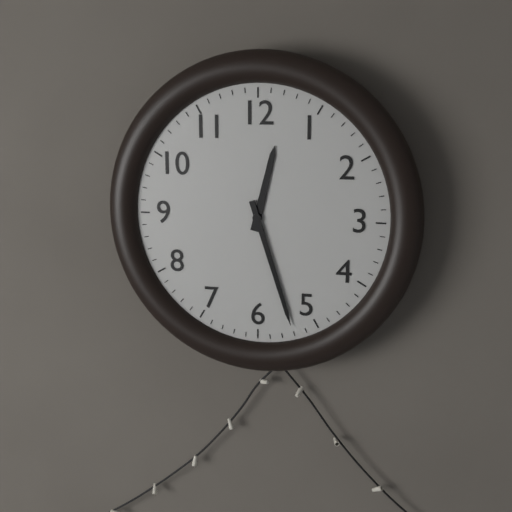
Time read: 12:27
